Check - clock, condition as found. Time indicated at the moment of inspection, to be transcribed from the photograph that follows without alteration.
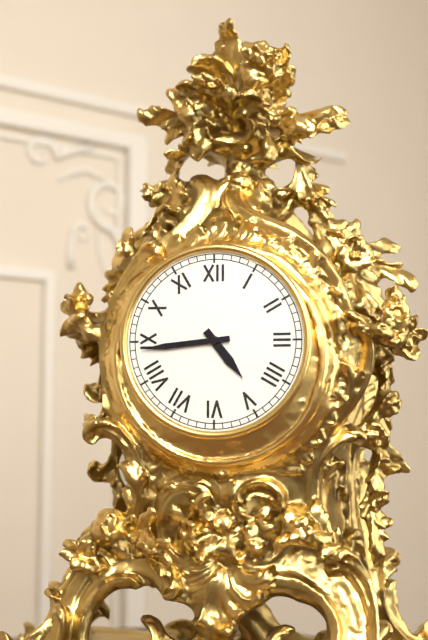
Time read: 4:44
